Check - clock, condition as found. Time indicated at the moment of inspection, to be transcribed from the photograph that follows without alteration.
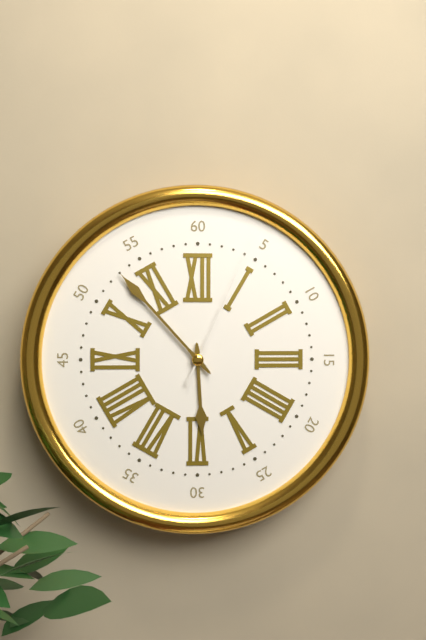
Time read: 5:53:04
